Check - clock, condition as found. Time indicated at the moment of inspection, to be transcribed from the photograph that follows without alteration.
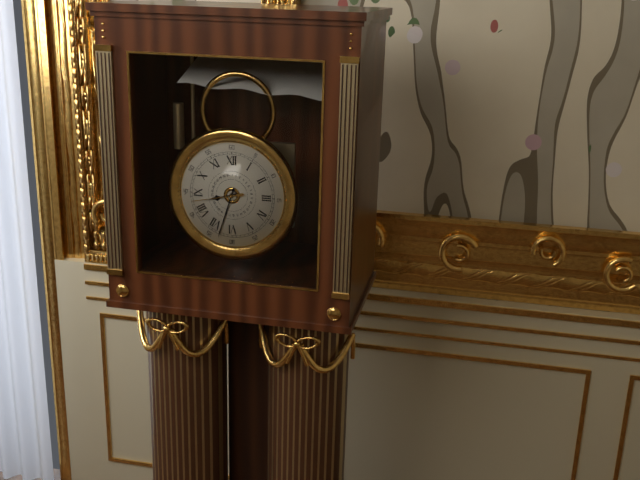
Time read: 8:33:43
